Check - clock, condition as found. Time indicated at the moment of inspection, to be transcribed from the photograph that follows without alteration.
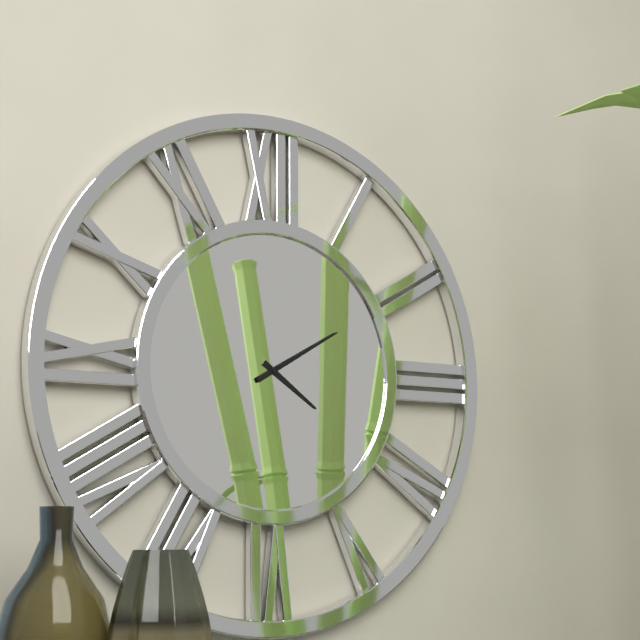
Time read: 4:10
